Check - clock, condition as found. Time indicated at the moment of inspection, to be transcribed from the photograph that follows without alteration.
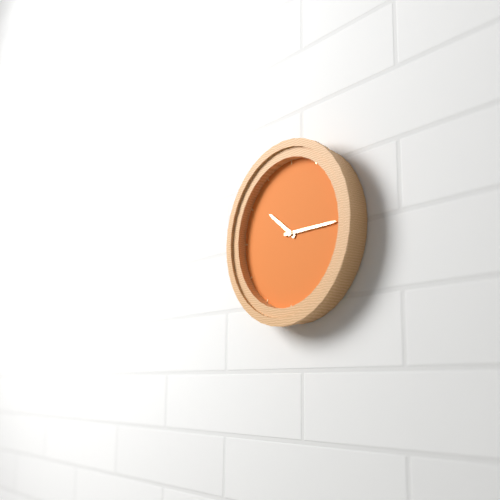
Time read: 10:15
